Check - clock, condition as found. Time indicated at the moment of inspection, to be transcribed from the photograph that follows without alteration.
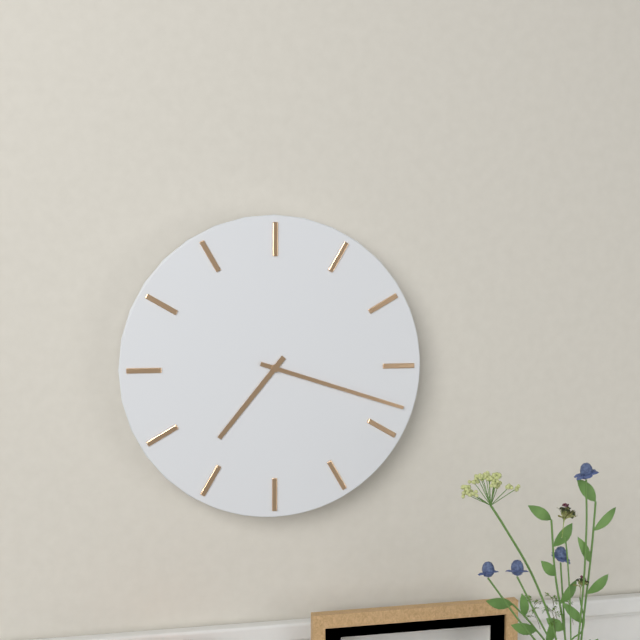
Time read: 7:18
